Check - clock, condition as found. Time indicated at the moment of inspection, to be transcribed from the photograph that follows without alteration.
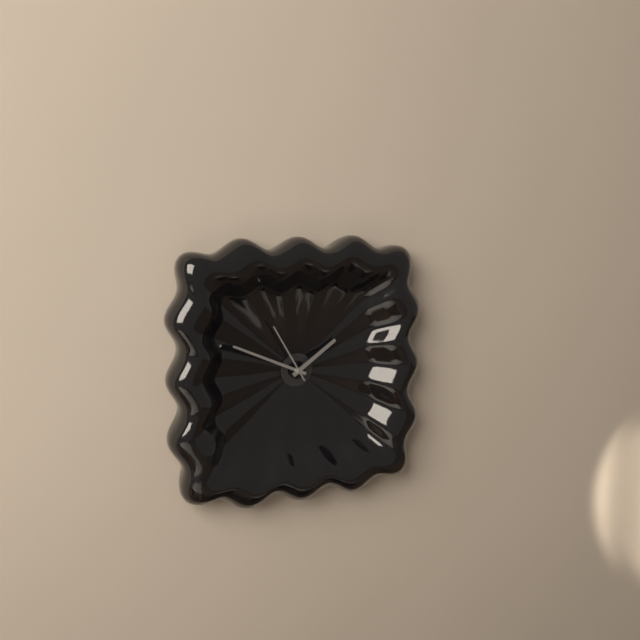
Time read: 1:49:55
